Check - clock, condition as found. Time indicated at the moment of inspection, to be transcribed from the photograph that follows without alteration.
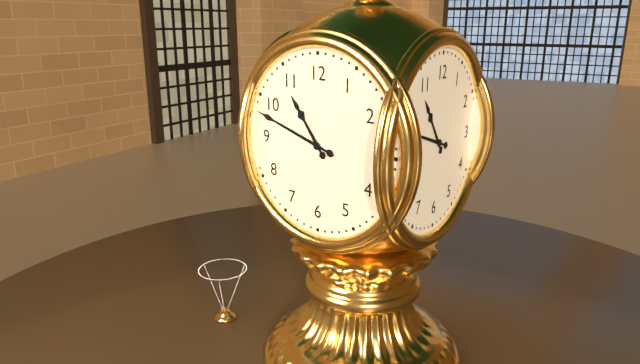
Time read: 10:48
